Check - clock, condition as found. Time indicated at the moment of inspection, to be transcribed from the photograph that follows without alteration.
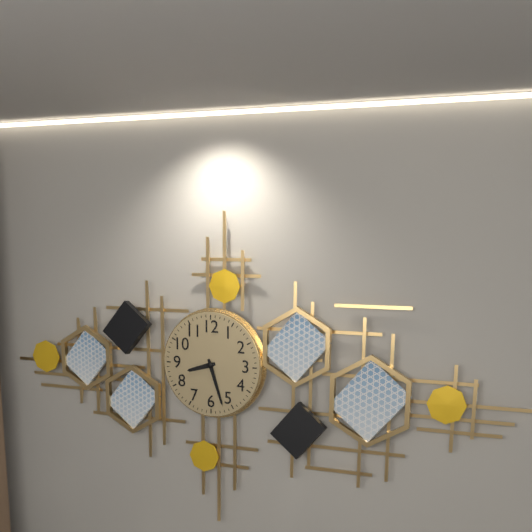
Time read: 8:27
